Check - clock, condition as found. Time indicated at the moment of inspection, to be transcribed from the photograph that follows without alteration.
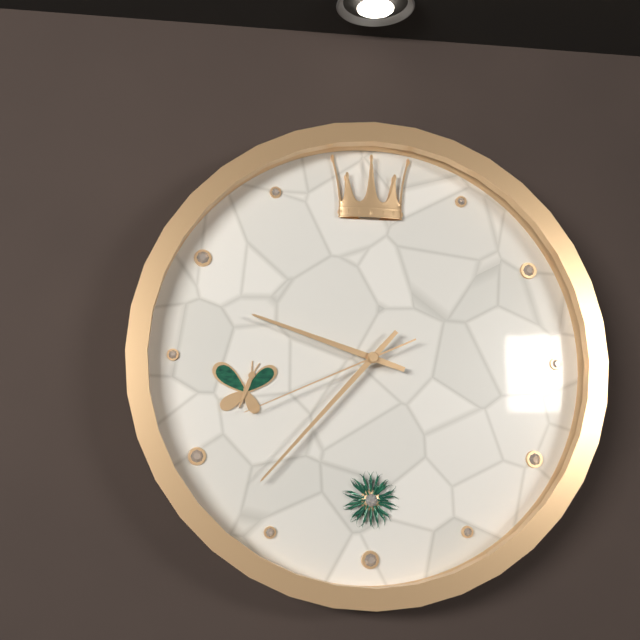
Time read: 9:37:41
